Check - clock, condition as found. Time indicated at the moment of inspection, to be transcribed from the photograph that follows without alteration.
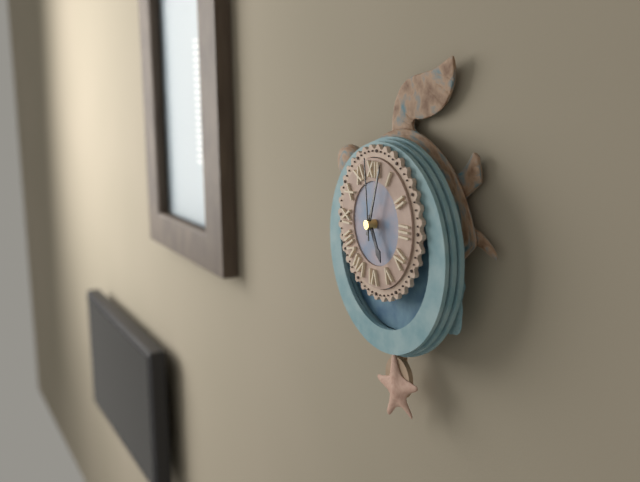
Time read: 5:03:59
